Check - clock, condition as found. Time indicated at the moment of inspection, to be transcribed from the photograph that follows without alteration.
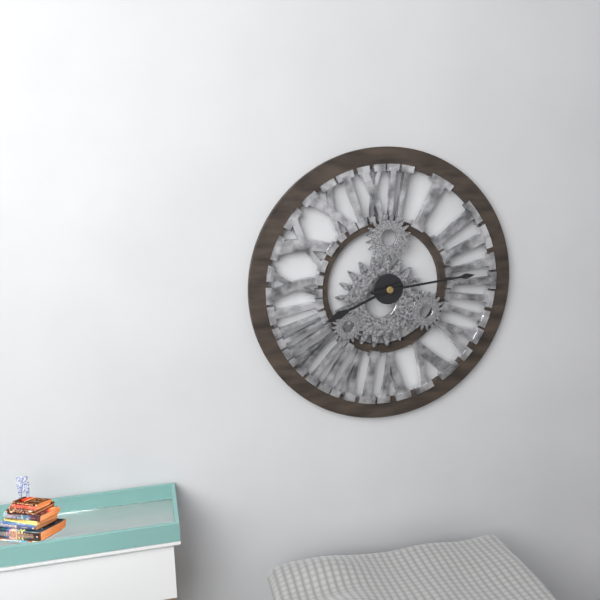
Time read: 8:14
